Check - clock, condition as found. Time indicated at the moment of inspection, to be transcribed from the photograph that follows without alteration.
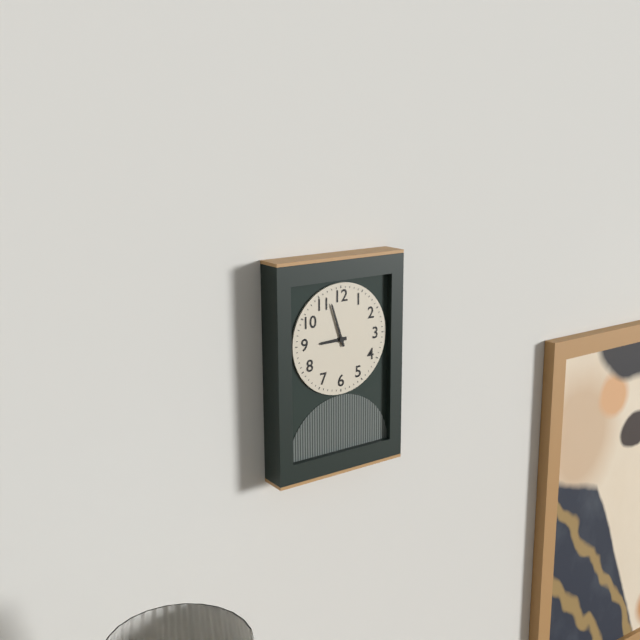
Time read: 8:57
